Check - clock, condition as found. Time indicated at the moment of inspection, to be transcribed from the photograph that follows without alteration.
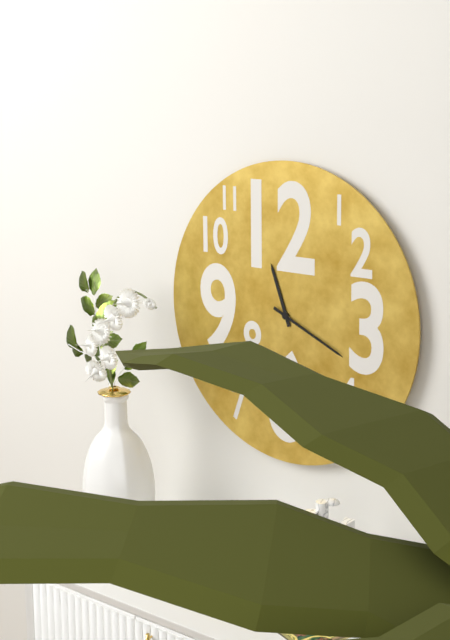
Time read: 11:19
